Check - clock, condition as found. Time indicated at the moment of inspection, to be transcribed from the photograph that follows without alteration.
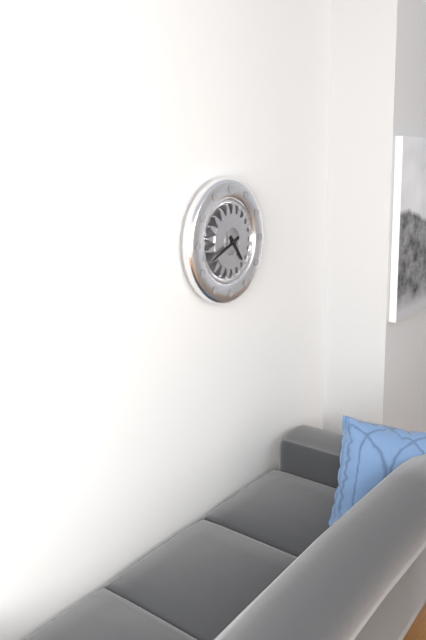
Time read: 4:41
